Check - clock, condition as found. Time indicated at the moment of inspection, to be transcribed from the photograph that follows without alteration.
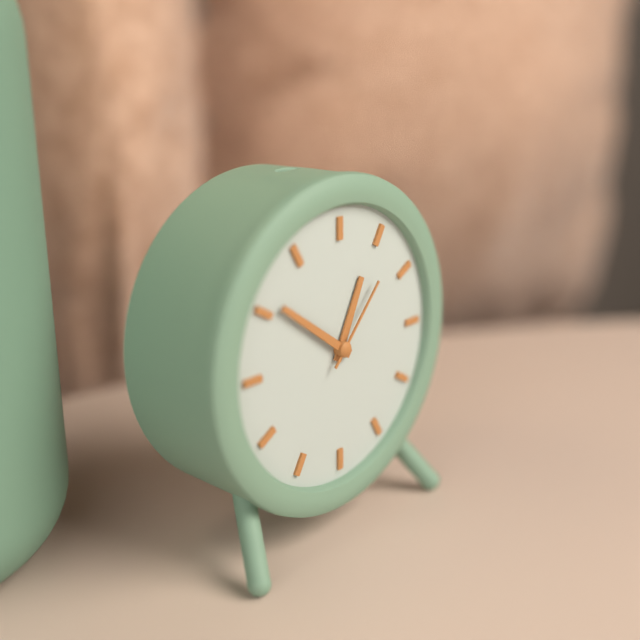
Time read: 12:51:07
